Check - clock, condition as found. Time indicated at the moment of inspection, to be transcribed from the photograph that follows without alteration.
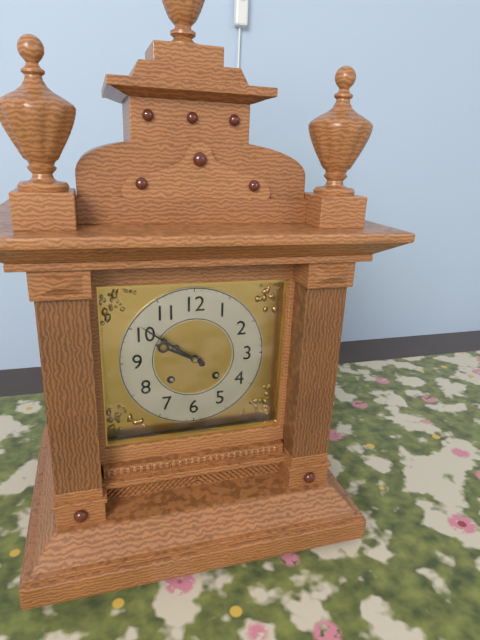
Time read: 9:51
